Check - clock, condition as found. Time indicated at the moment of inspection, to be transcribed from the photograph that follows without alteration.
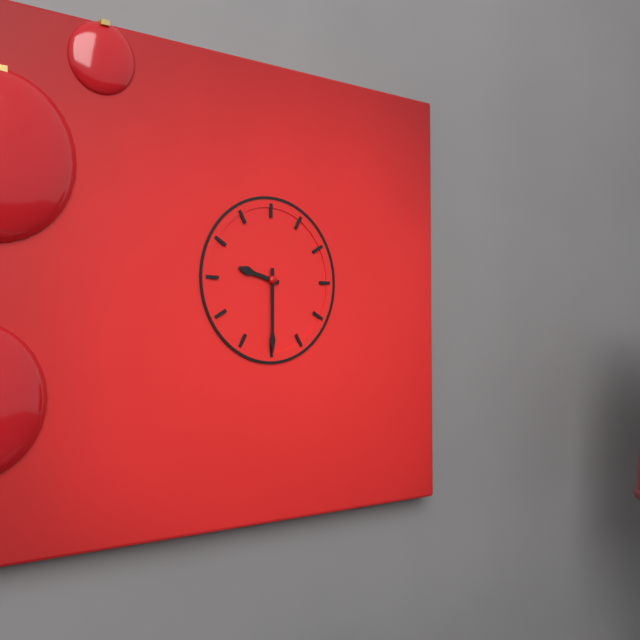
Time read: 9:30
